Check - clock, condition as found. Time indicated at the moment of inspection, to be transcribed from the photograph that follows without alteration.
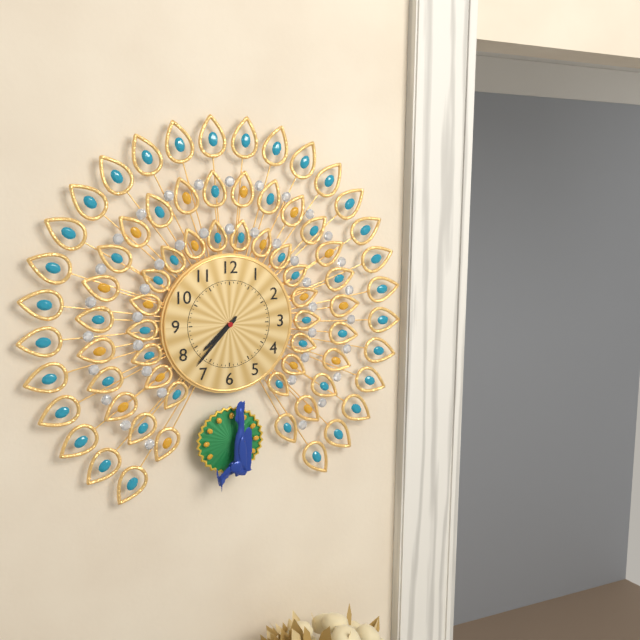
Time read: 7:37
